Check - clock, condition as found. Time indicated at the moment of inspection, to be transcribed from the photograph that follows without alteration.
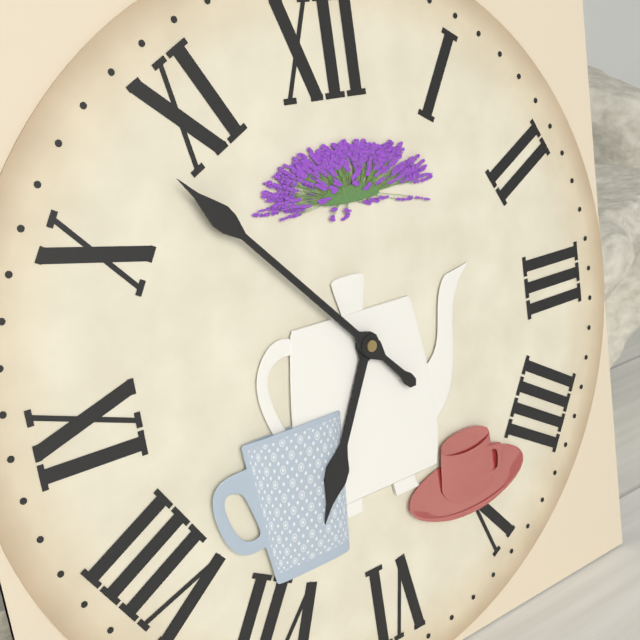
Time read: 6:53
